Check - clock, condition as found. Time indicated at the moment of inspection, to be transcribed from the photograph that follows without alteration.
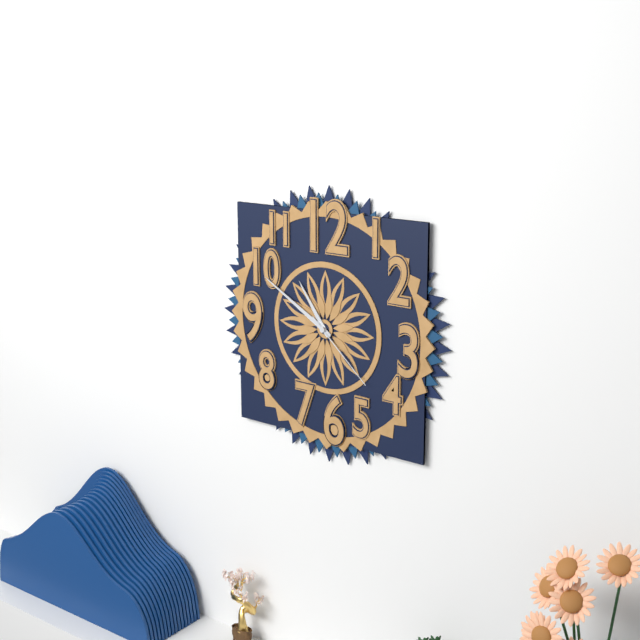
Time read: 10:50:22
